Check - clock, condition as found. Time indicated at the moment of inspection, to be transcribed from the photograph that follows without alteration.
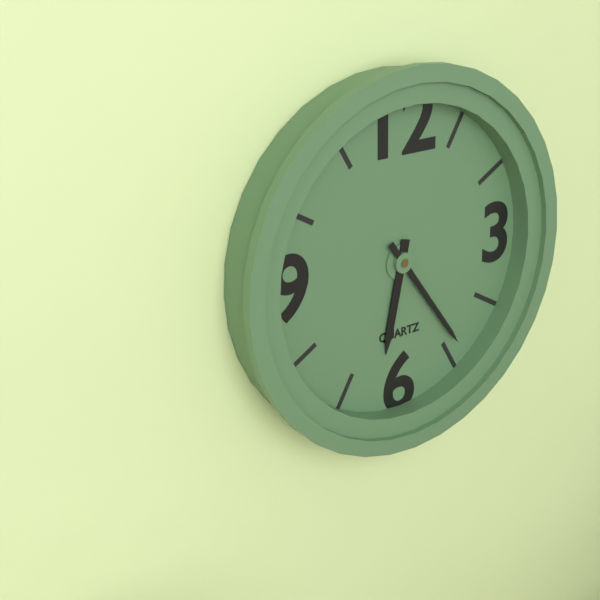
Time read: 6:24
